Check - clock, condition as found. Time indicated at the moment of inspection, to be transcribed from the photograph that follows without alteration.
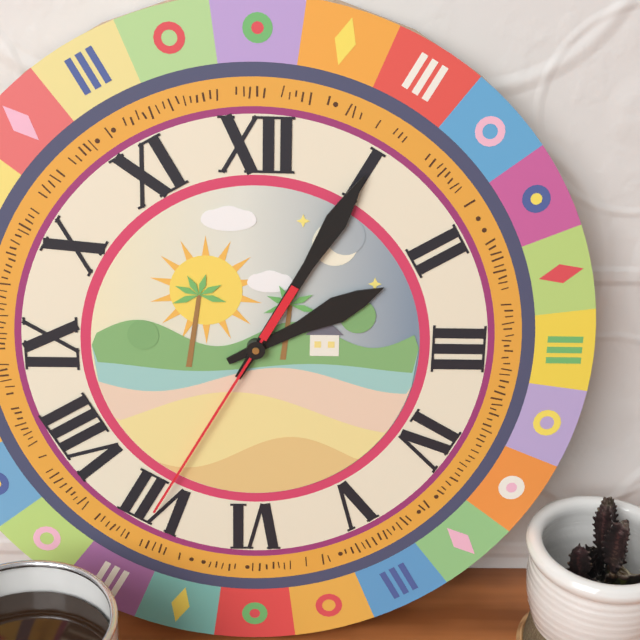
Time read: 2:05:35
